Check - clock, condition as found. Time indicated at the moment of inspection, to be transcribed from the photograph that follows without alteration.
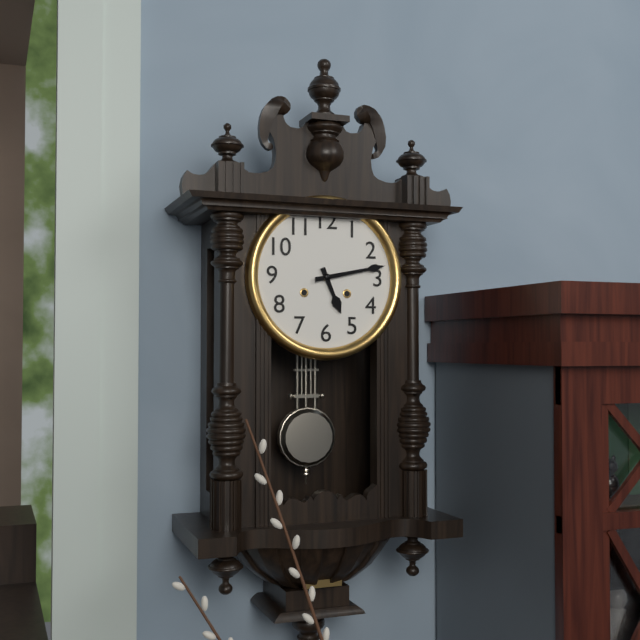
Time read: 5:13
